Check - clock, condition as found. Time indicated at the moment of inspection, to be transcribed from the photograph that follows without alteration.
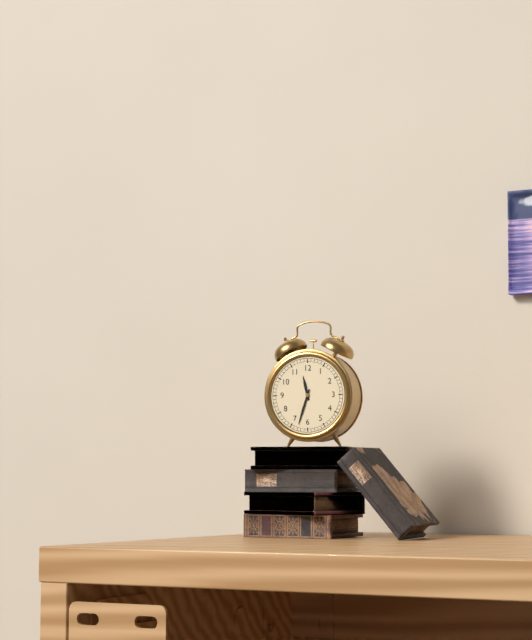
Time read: 11:33
